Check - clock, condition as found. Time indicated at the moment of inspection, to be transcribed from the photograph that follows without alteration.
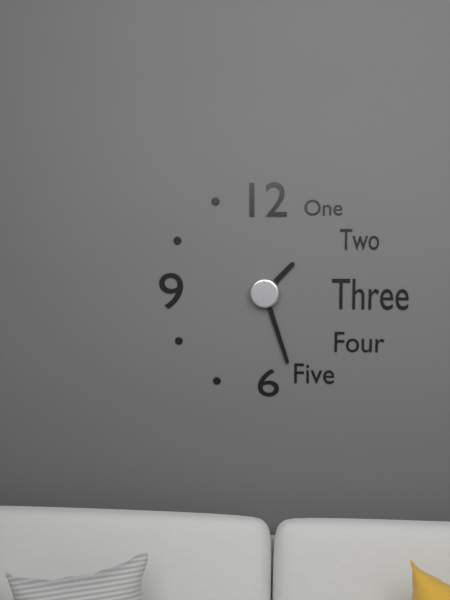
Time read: 1:27
